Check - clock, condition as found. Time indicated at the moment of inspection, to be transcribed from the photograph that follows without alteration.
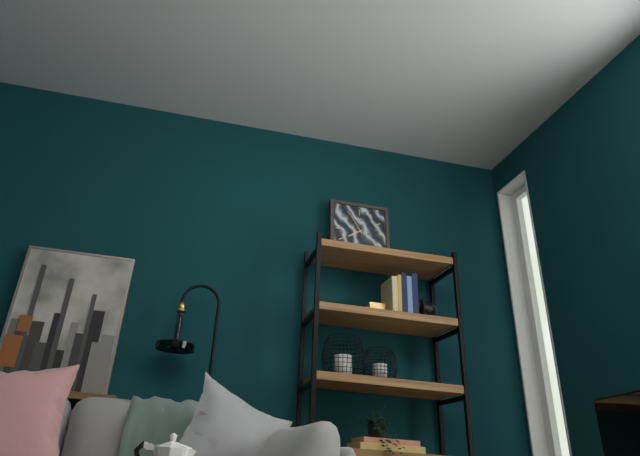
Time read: 7:55
